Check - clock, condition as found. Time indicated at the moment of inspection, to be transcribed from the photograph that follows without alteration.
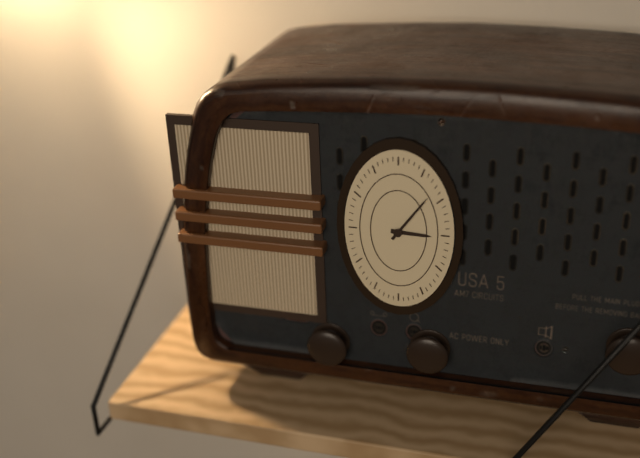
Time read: 3:06
